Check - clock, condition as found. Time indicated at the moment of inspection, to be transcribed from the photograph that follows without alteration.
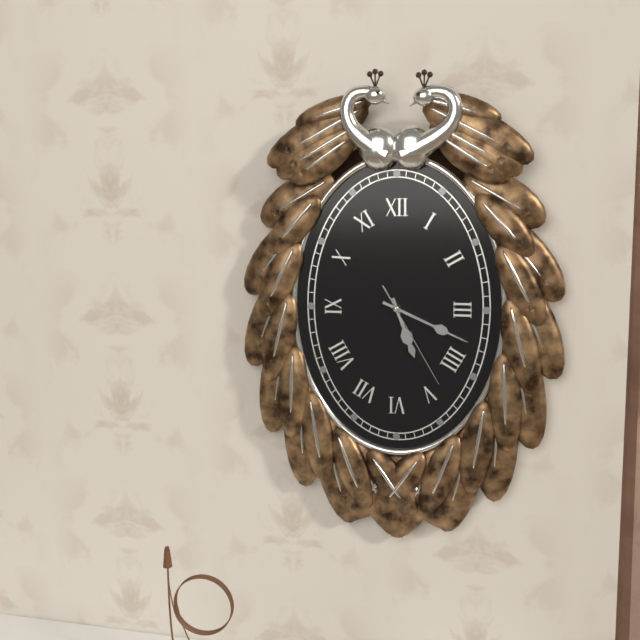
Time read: 5:19:25
